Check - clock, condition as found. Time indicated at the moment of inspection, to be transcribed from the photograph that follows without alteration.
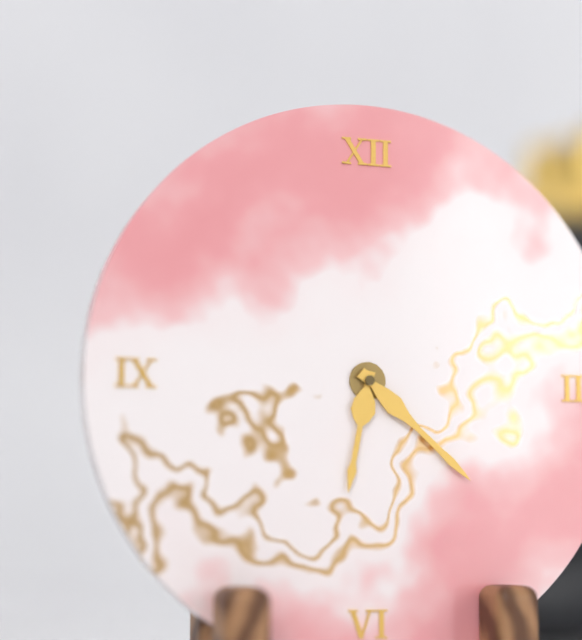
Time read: 6:22
